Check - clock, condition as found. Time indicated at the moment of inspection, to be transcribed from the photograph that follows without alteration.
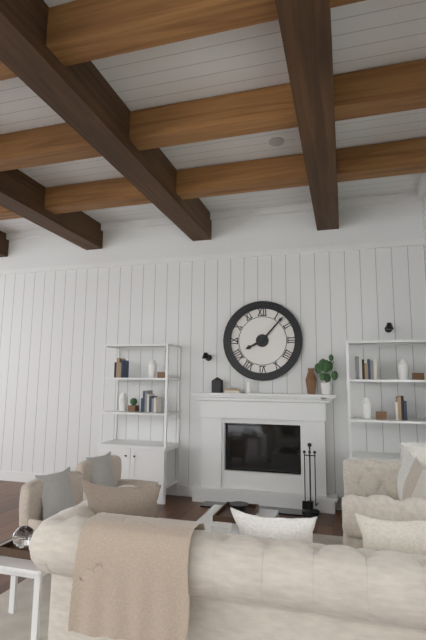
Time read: 8:07
